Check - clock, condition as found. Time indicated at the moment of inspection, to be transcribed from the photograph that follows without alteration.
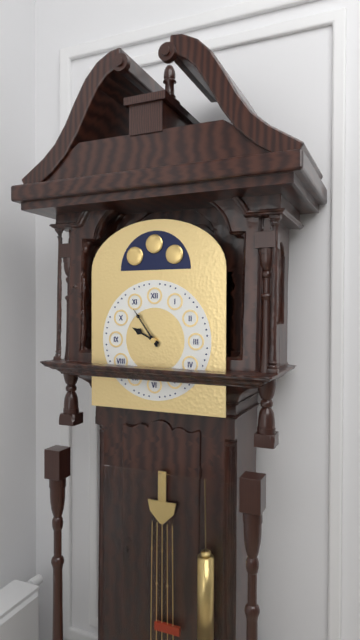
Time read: 9:54
